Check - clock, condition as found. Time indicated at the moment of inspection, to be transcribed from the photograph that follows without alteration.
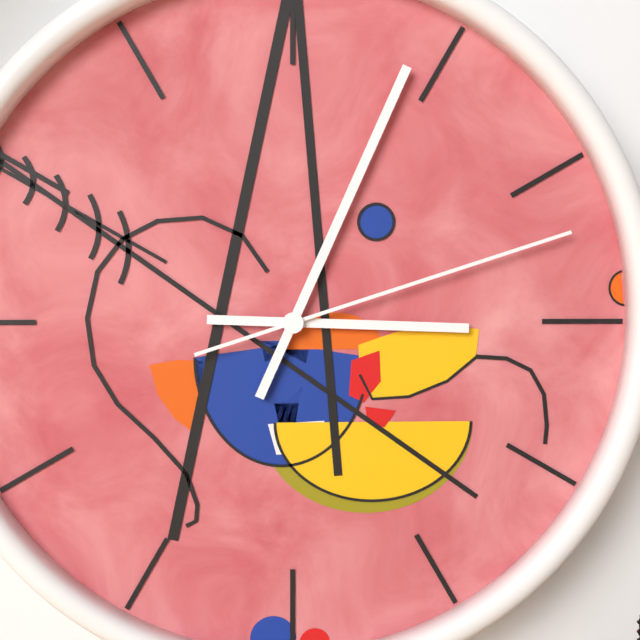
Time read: 3:04:12
